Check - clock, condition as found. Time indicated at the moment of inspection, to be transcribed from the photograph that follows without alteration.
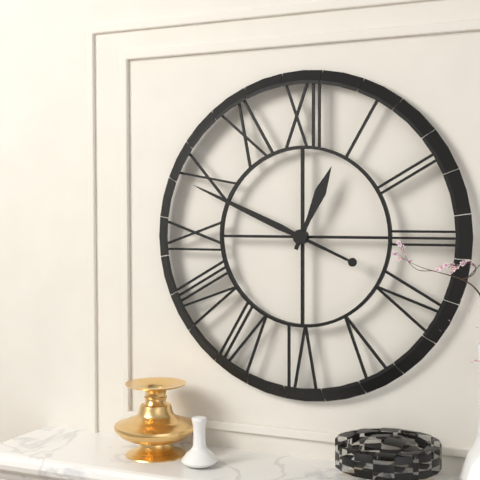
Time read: 12:49
